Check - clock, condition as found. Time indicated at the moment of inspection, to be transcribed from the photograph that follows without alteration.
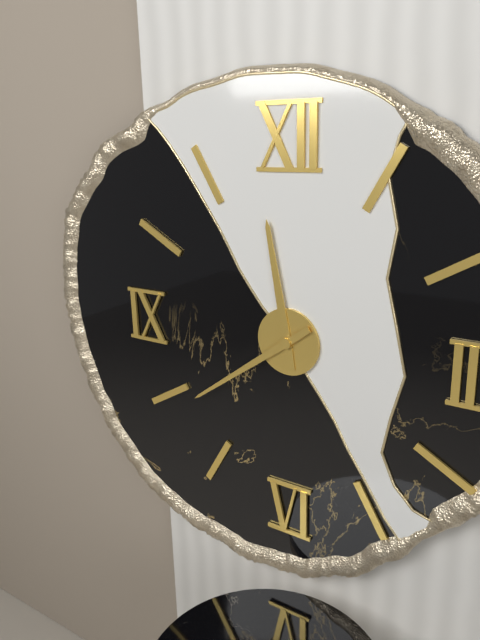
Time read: 11:39
